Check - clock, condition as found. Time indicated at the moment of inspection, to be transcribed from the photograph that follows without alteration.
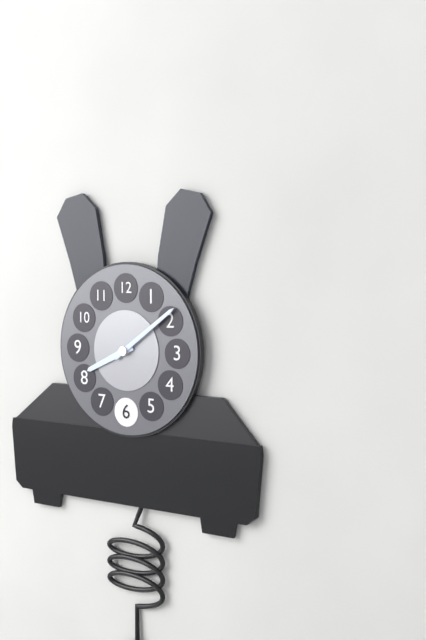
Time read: 8:09
